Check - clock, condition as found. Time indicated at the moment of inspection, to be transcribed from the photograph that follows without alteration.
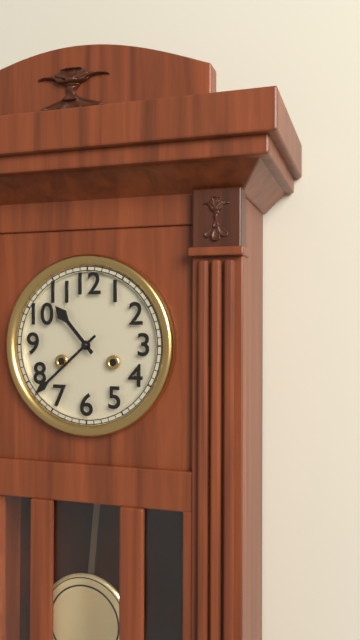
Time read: 10:38
